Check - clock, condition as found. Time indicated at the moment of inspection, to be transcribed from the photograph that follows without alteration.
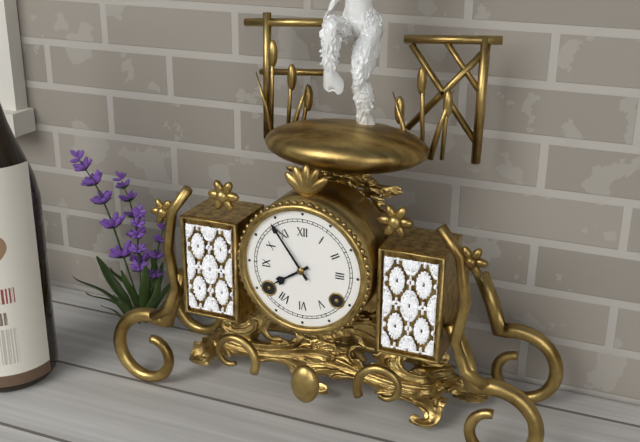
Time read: 7:54
